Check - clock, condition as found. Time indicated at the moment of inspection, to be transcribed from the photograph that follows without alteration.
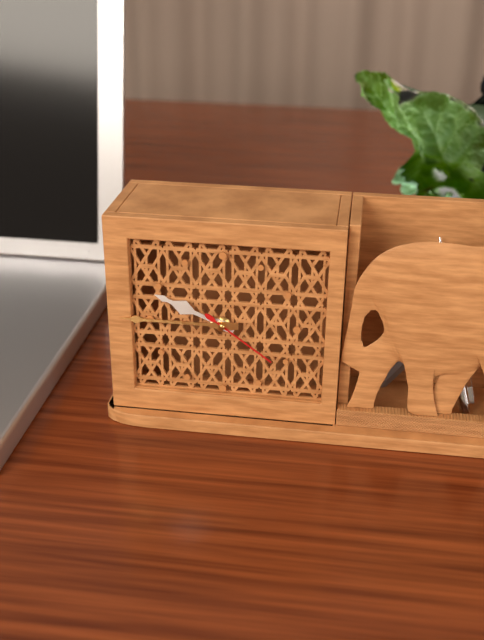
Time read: 9:45:21
